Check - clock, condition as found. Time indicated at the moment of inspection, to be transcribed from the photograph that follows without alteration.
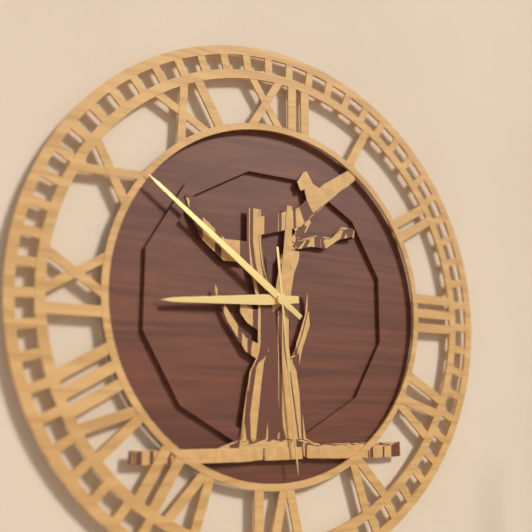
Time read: 8:51:29
